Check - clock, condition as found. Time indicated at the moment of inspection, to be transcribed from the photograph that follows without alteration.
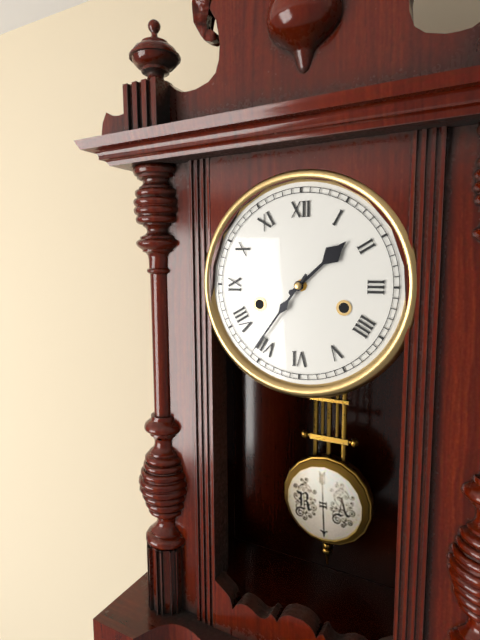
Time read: 1:36
